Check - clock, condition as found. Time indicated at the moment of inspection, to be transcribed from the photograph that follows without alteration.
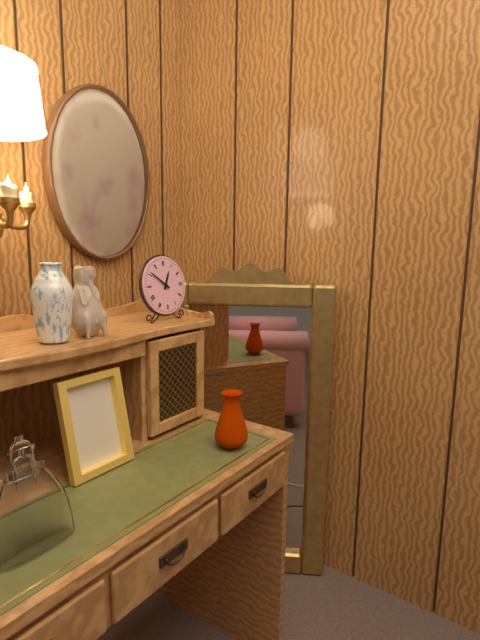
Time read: 12:51
